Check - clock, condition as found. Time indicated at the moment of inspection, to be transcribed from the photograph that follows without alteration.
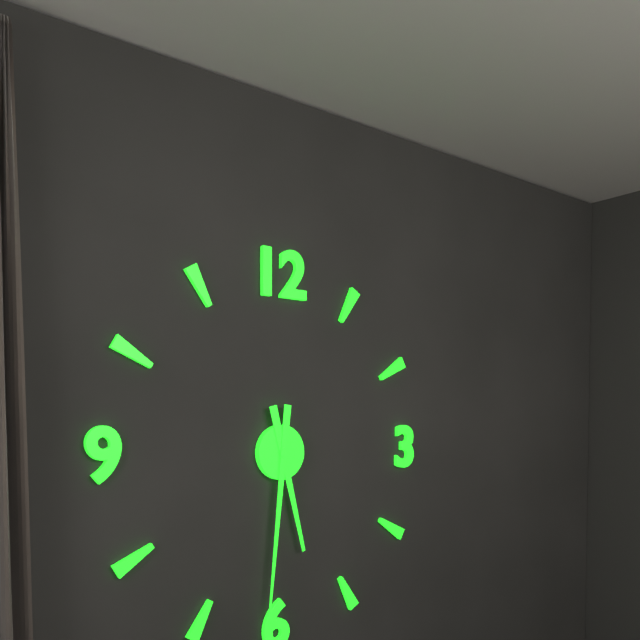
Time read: 5:31
